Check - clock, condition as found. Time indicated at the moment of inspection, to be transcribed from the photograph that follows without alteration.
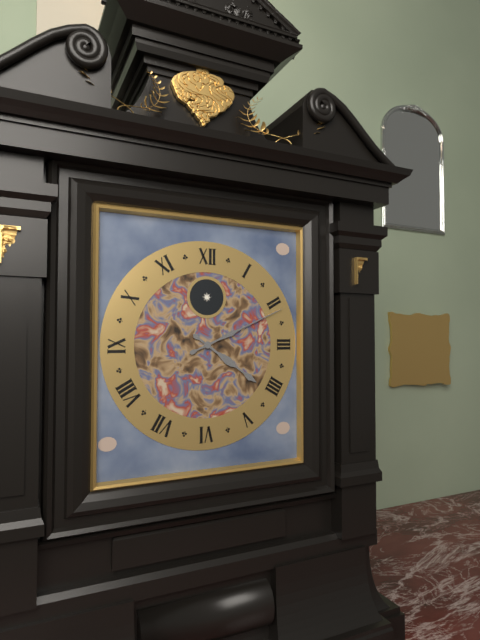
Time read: 4:11
